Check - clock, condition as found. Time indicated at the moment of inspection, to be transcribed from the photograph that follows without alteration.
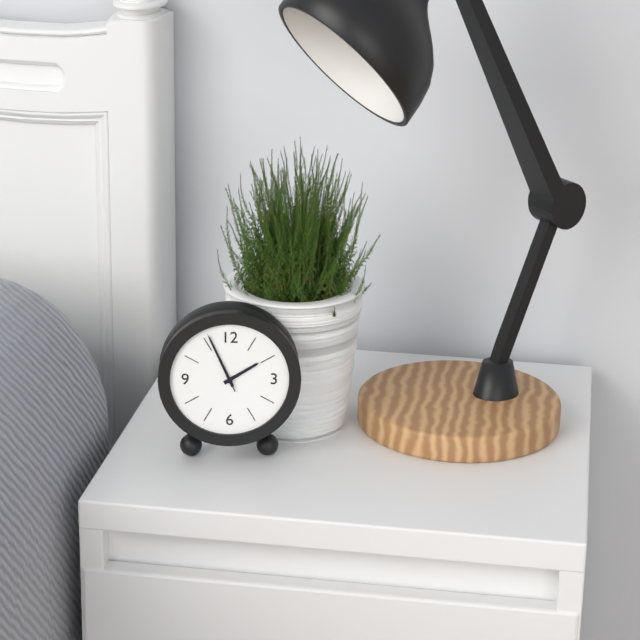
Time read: 1:56:56
